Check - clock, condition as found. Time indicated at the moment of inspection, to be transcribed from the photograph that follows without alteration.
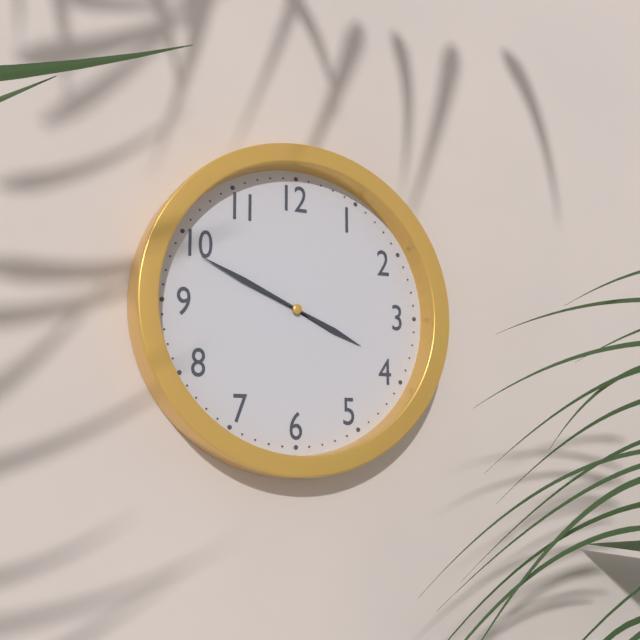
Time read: 3:49
